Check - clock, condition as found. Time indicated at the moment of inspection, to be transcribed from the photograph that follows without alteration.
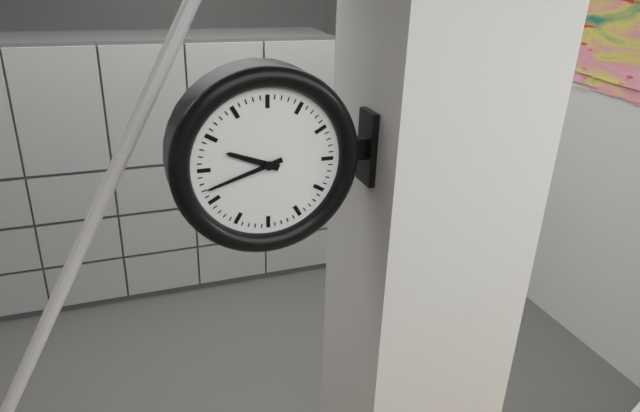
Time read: 9:42
